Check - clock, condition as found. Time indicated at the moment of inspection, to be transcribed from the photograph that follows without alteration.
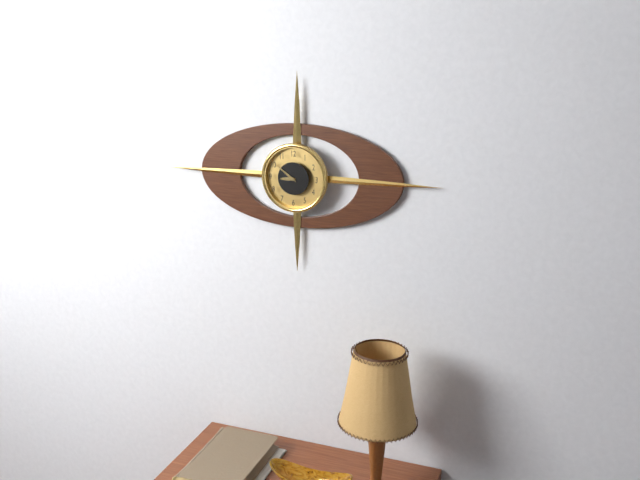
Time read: 8:51
